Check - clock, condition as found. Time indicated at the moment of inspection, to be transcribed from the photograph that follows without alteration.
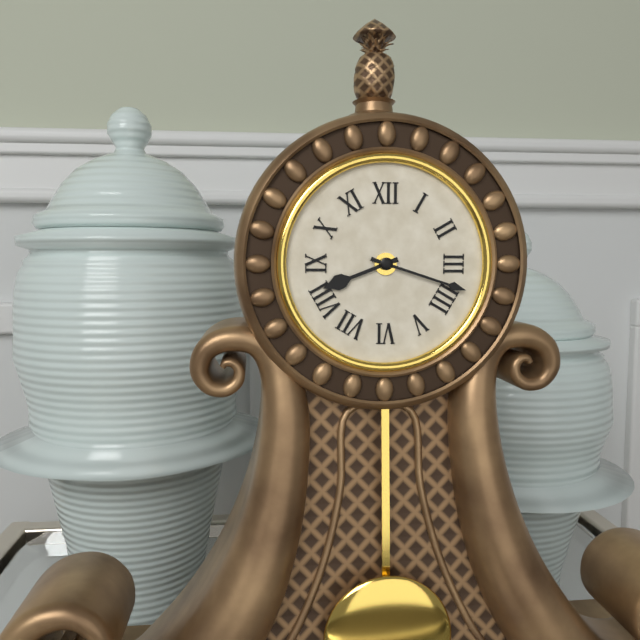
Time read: 8:18
